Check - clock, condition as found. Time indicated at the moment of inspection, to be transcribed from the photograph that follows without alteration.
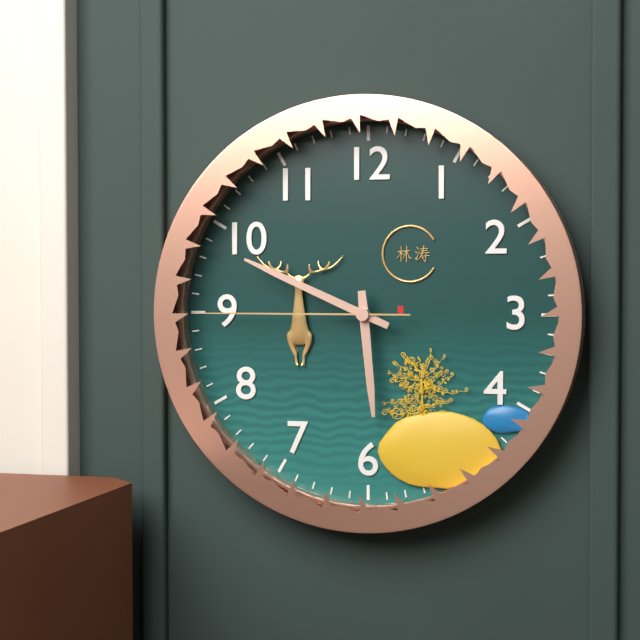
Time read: 5:49:45
